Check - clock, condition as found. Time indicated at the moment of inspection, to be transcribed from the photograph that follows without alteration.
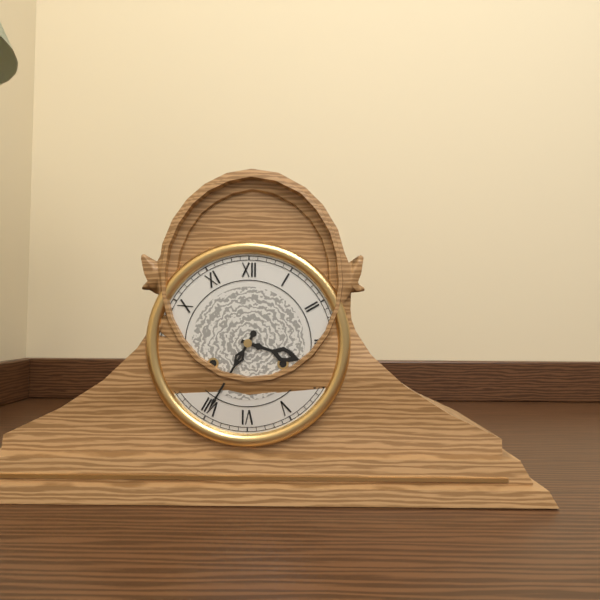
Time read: 3:35
